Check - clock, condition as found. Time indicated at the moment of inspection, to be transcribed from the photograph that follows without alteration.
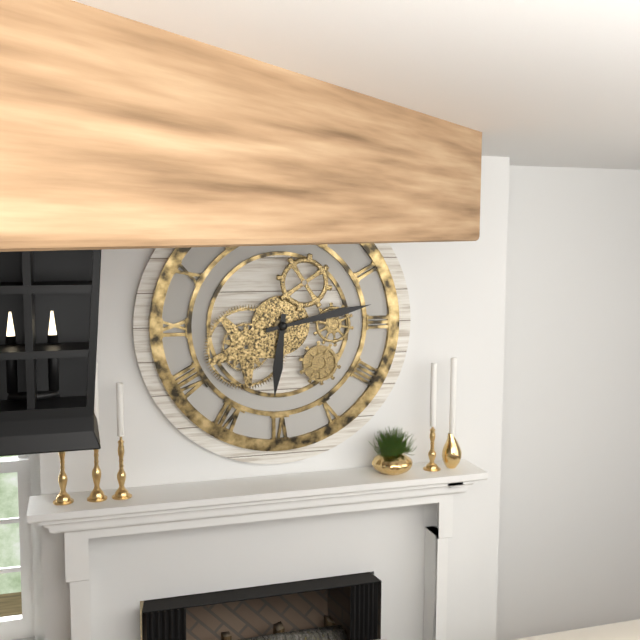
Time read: 6:13
